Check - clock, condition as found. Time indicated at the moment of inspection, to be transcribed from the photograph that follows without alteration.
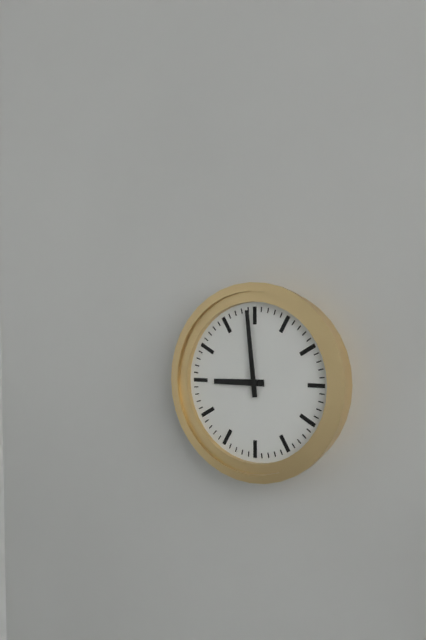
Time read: 8:59
